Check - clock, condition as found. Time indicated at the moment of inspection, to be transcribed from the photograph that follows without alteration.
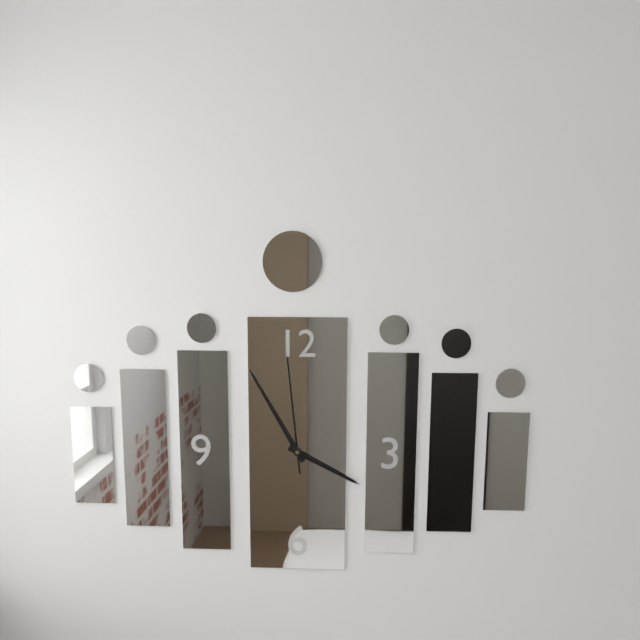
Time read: 3:55:59
